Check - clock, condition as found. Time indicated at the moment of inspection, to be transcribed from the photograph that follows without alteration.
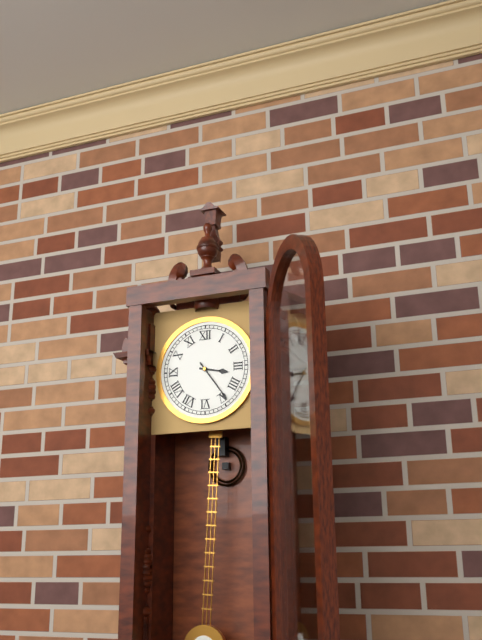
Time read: 3:24
